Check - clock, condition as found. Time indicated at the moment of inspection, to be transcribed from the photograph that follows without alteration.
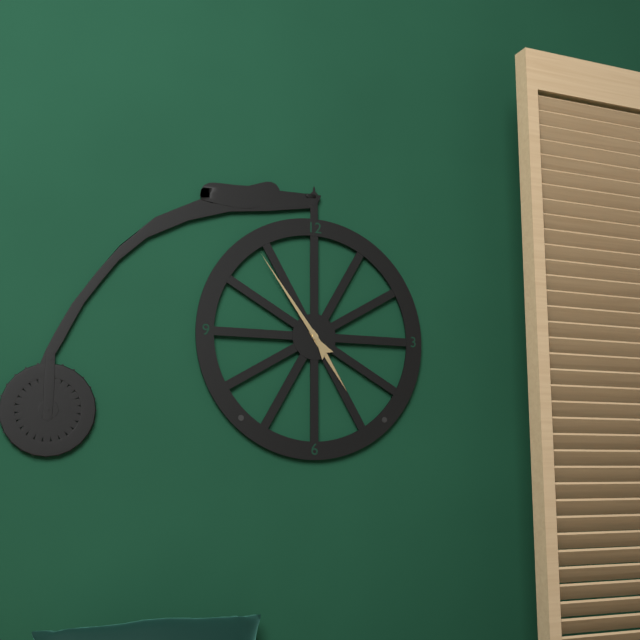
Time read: 4:54
